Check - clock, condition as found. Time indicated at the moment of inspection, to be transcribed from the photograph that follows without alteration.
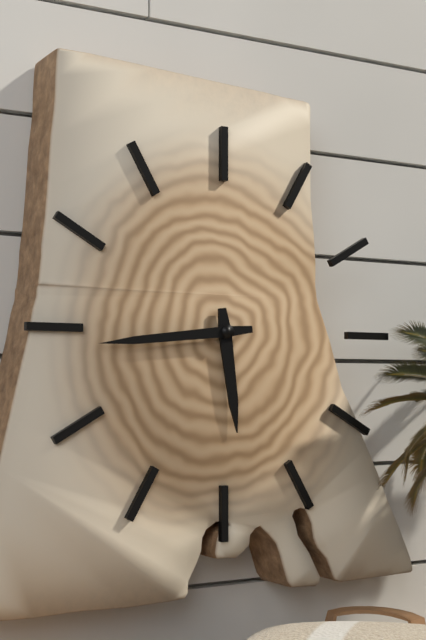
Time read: 5:44
